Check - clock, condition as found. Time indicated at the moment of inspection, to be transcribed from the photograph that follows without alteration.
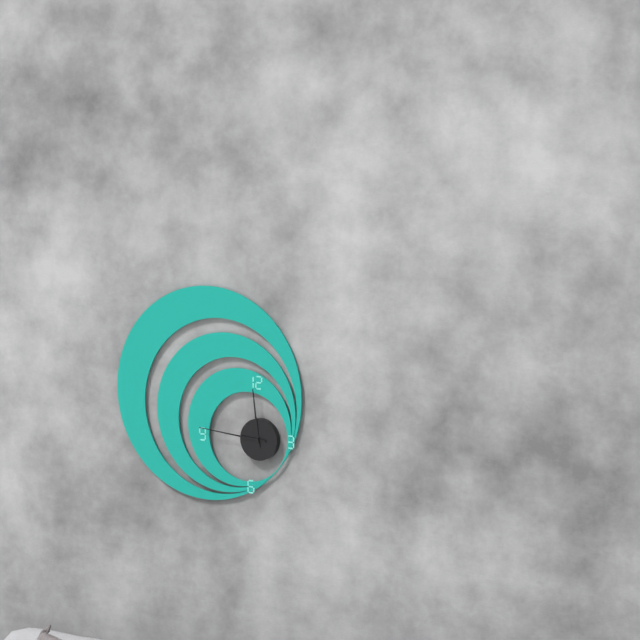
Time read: 11:46
